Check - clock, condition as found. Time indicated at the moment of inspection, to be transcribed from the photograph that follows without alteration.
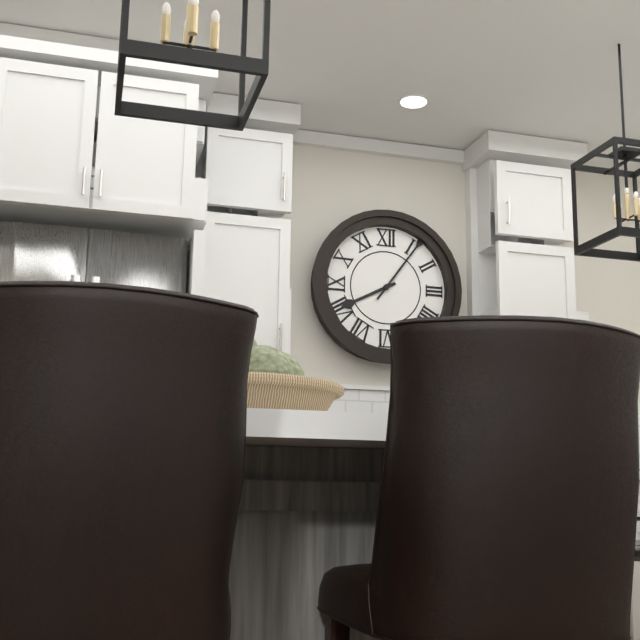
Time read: 8:06
